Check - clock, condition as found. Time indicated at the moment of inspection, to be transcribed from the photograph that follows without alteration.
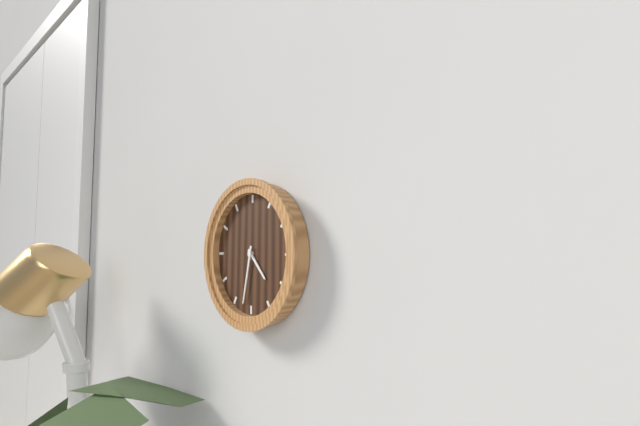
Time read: 4:32
